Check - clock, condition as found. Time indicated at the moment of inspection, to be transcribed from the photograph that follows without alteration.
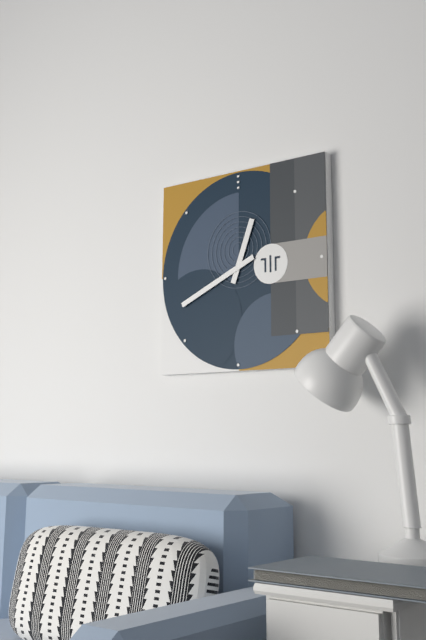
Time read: 12:41
